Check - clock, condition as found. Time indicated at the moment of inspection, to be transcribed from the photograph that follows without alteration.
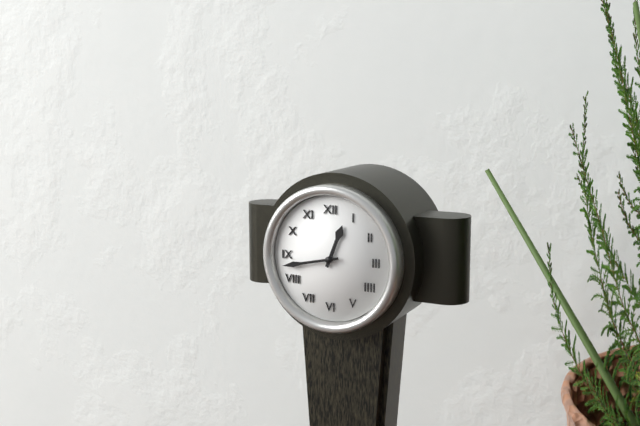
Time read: 12:43
